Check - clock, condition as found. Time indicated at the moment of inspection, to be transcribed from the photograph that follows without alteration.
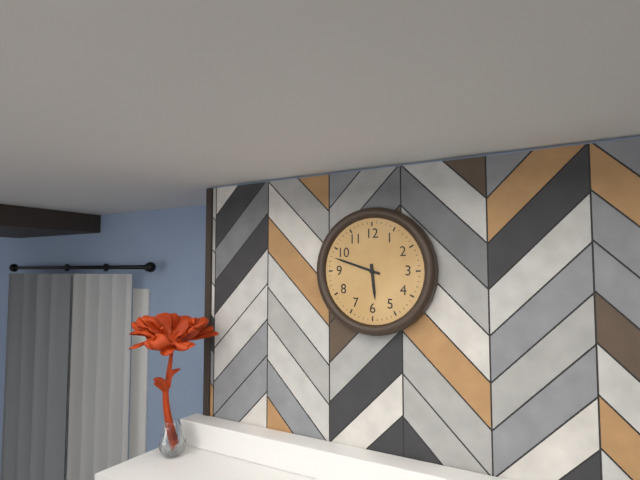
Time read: 5:48
